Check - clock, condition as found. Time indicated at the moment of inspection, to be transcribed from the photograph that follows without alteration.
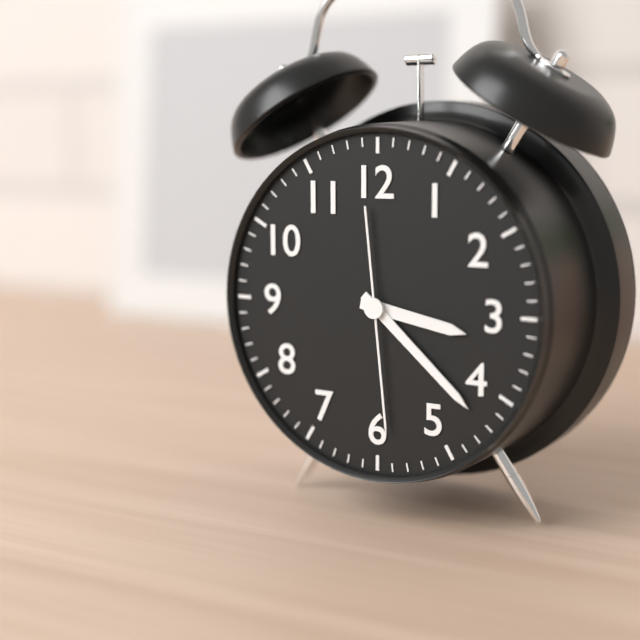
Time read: 3:22:29
